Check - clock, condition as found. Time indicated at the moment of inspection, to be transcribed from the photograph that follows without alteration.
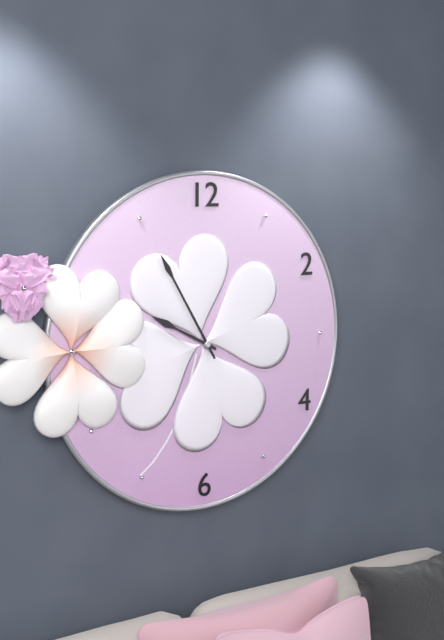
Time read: 9:55
